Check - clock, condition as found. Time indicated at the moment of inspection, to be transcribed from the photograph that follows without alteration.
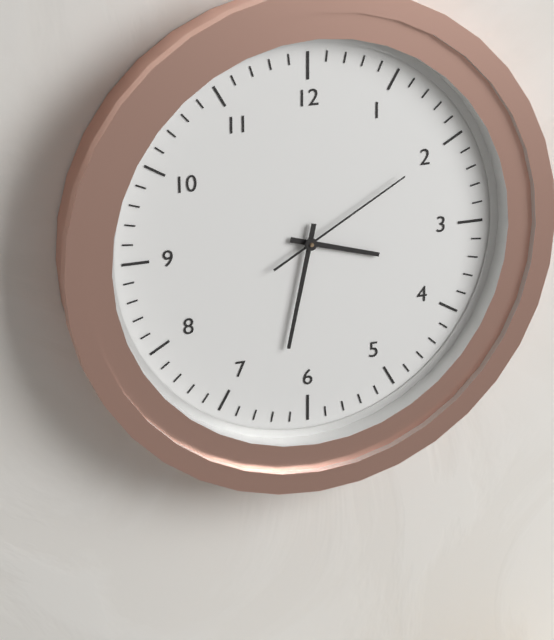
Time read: 3:32:10
